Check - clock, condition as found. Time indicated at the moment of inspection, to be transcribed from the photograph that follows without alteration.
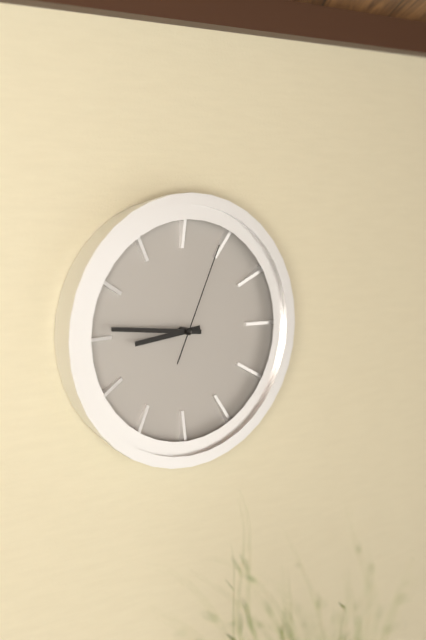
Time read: 8:46:04
